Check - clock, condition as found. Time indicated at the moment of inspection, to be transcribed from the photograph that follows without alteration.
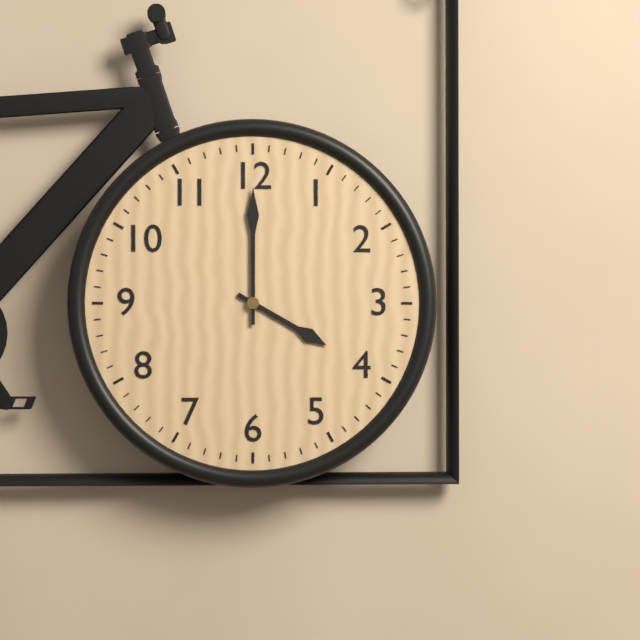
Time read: 4:00
